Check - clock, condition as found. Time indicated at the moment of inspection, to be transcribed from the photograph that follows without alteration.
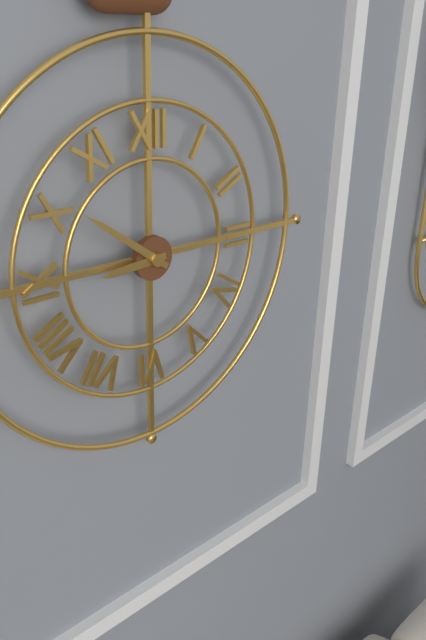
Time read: 8:51
